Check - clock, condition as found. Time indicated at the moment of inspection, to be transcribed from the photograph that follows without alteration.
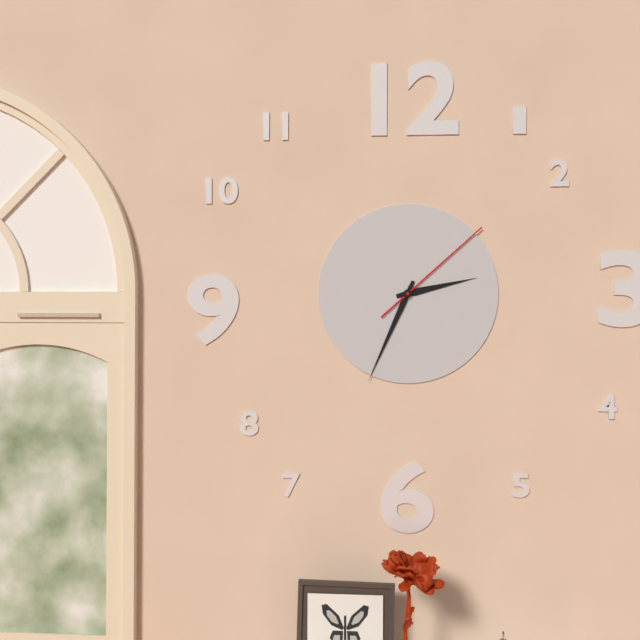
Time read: 2:34:08
